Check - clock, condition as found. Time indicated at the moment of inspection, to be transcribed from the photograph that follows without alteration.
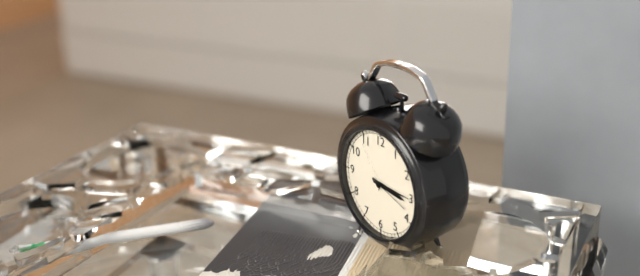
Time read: 3:15
